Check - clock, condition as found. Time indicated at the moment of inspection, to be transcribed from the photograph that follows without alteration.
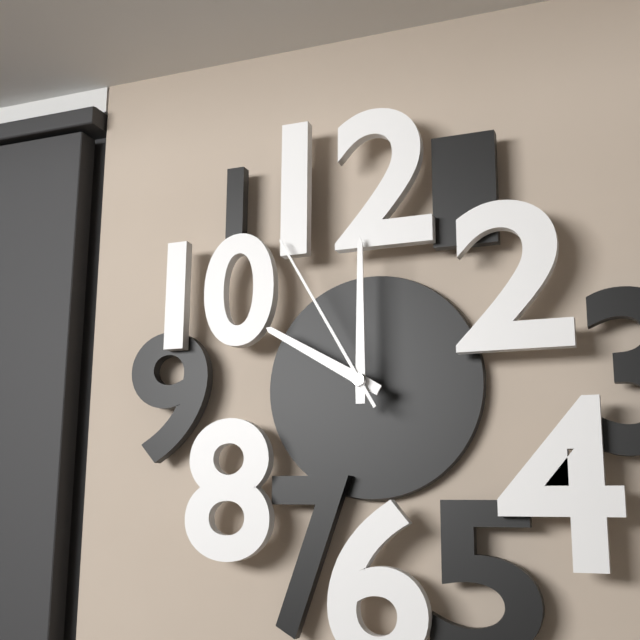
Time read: 10:00:55
